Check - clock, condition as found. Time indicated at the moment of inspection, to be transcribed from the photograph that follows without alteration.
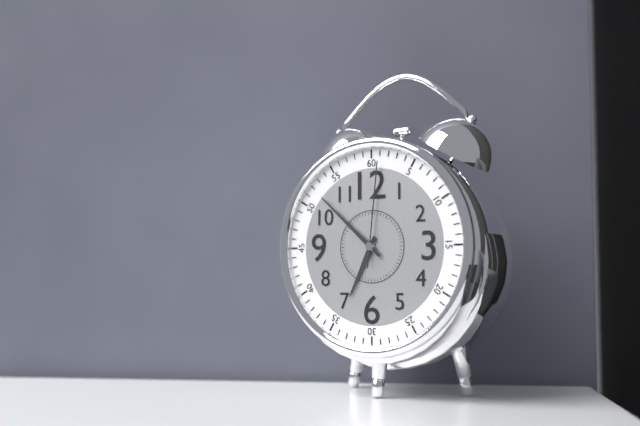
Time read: 6:52:01
